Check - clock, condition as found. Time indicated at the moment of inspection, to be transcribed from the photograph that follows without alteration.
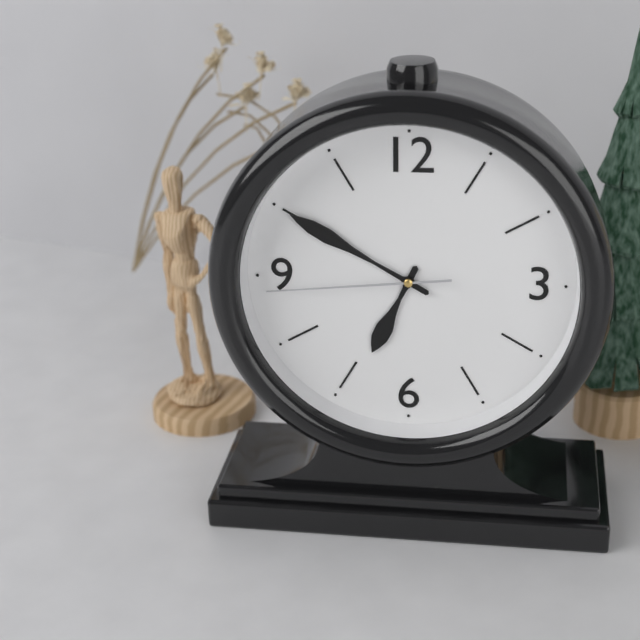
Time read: 6:50:44
